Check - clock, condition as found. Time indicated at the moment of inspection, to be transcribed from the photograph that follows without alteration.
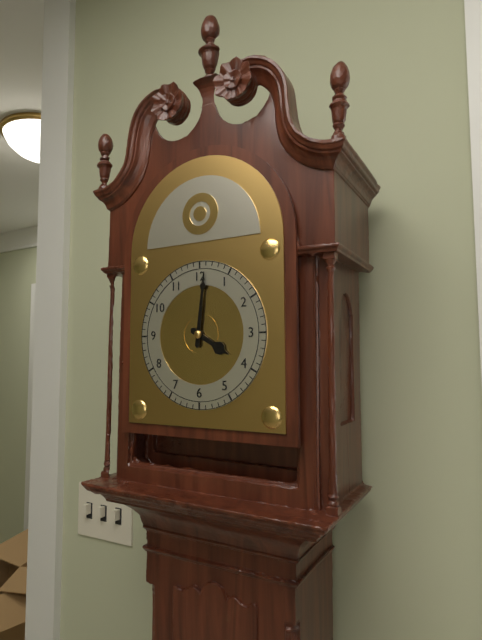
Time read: 4:01
